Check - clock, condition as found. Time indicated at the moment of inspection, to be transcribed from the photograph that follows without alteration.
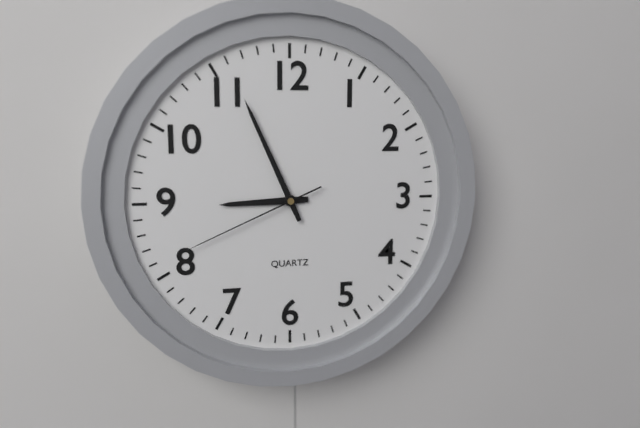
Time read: 8:56:41
